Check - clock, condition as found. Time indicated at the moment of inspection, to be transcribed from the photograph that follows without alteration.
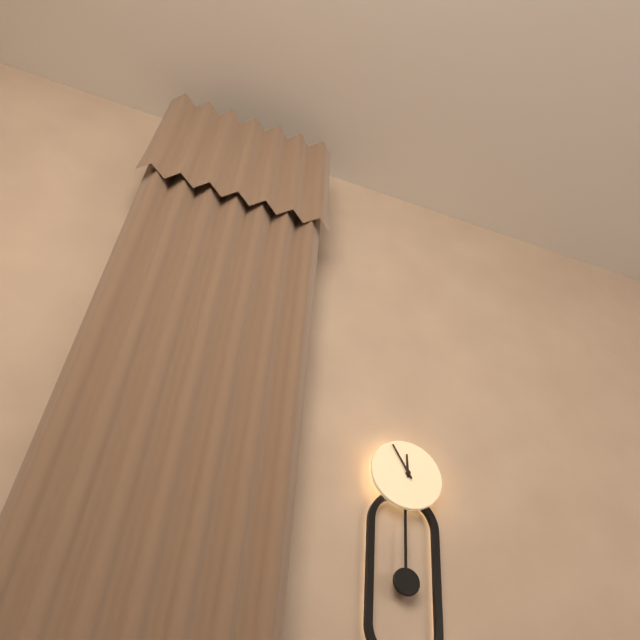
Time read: 11:55
